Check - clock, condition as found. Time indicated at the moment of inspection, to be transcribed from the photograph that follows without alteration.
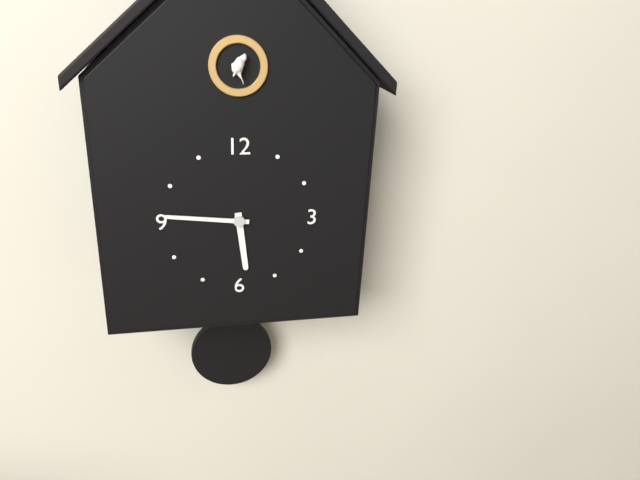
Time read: 5:46
